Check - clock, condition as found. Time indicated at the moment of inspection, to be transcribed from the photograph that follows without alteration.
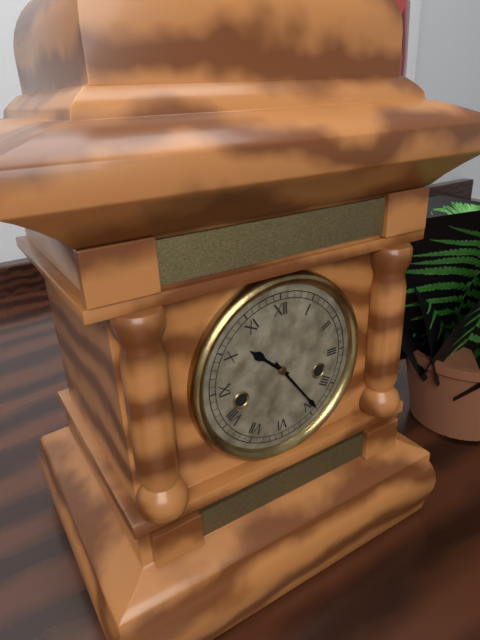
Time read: 10:24
